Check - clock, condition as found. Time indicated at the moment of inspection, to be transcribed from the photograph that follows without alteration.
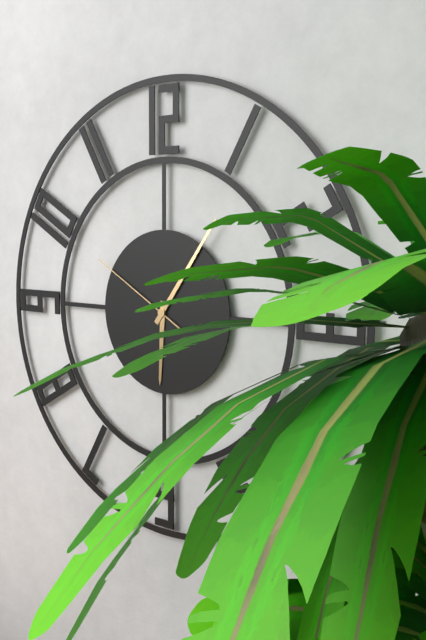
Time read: 6:06:50
